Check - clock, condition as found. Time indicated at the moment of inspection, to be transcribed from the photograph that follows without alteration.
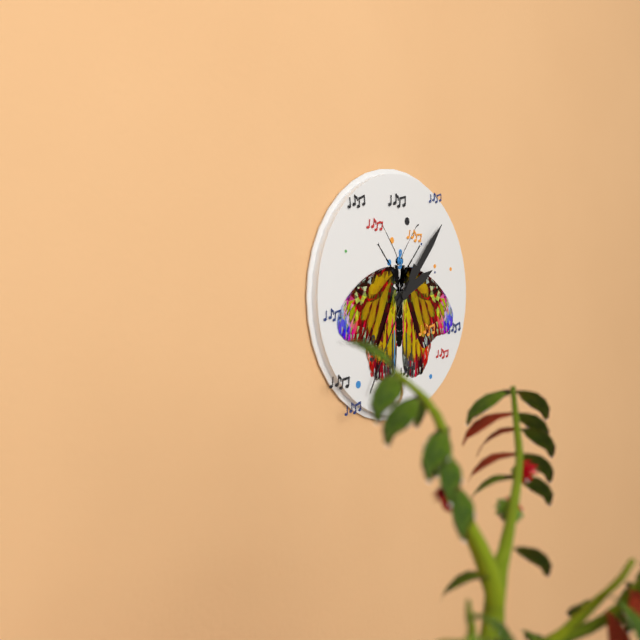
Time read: 2:07:35
